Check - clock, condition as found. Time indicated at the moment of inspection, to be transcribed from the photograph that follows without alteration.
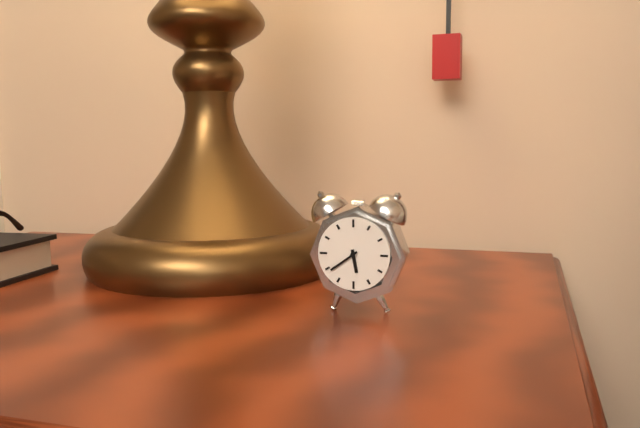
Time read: 5:39
